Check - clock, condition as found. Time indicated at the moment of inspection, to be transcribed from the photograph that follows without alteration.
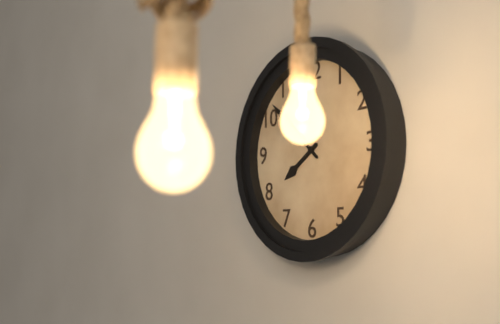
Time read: 7:52
